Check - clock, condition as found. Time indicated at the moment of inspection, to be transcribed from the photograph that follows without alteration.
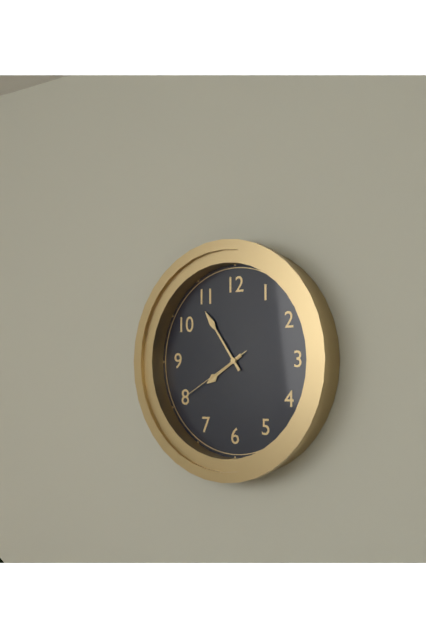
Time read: 7:54:40
